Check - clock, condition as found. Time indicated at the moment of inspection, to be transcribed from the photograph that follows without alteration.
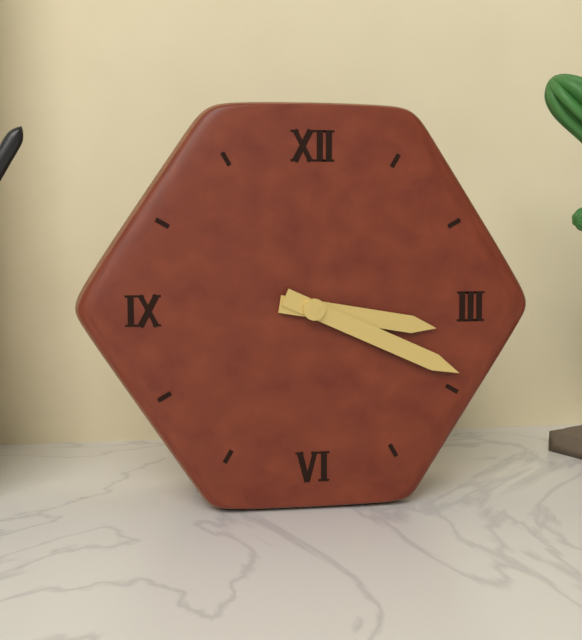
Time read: 3:19
